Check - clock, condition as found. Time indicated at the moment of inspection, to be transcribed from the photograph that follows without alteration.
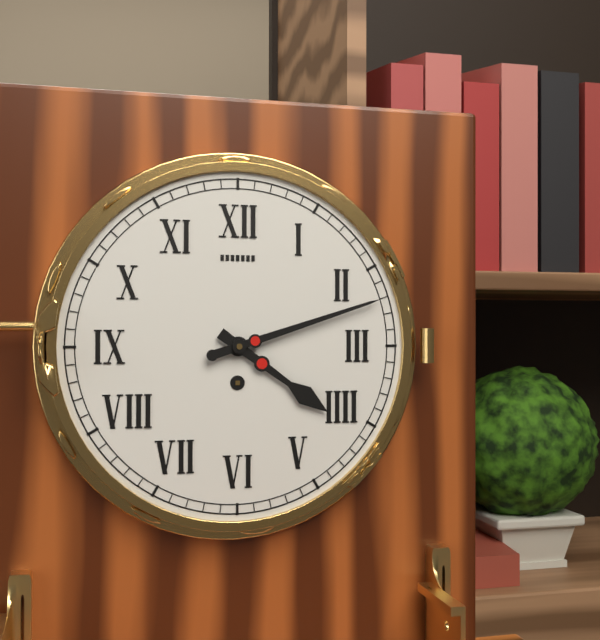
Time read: 4:12
